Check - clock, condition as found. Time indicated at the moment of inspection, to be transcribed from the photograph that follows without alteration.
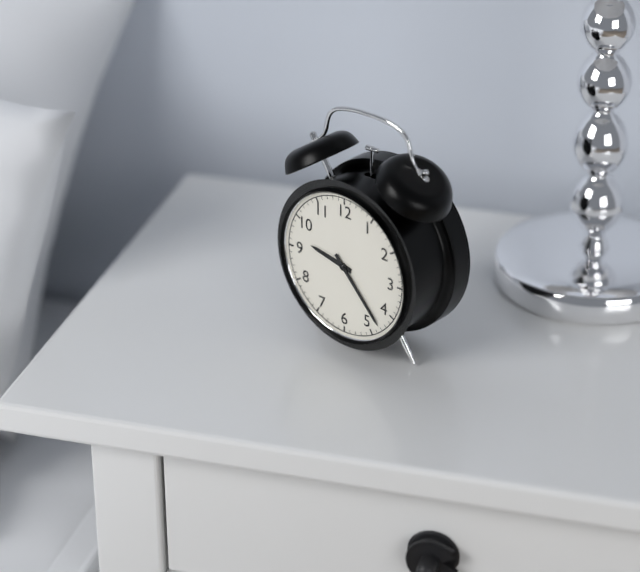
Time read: 9:23
